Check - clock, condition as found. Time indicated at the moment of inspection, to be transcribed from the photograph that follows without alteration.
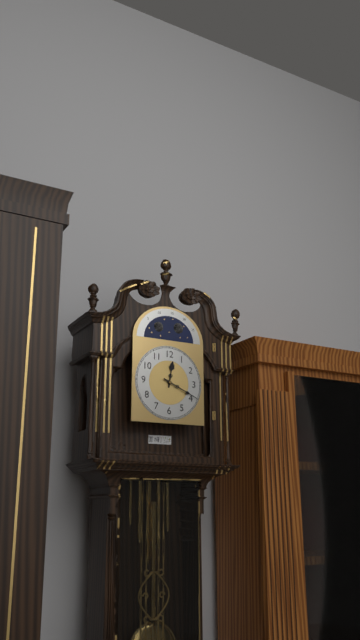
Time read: 12:19
